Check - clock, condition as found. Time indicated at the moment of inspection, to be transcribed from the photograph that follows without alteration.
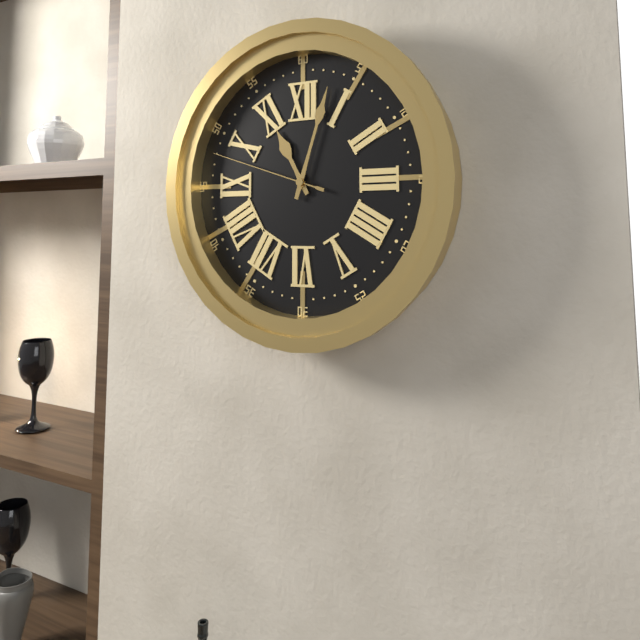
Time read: 11:03:48
